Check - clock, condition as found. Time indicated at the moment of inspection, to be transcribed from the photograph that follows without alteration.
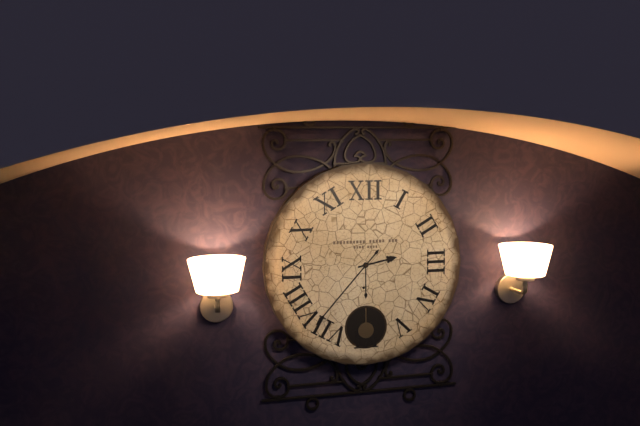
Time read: 2:37
